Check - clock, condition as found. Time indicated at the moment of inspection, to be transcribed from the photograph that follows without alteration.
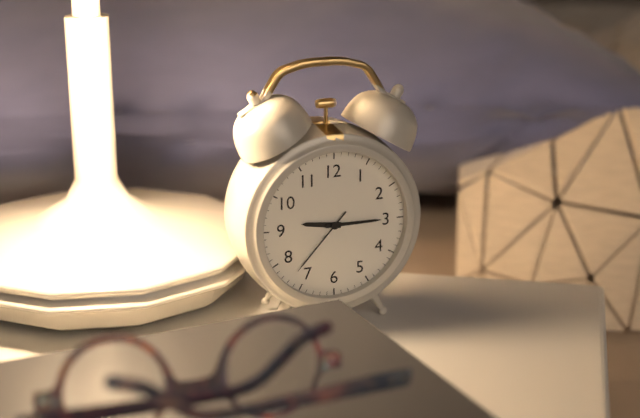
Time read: 9:15:37
